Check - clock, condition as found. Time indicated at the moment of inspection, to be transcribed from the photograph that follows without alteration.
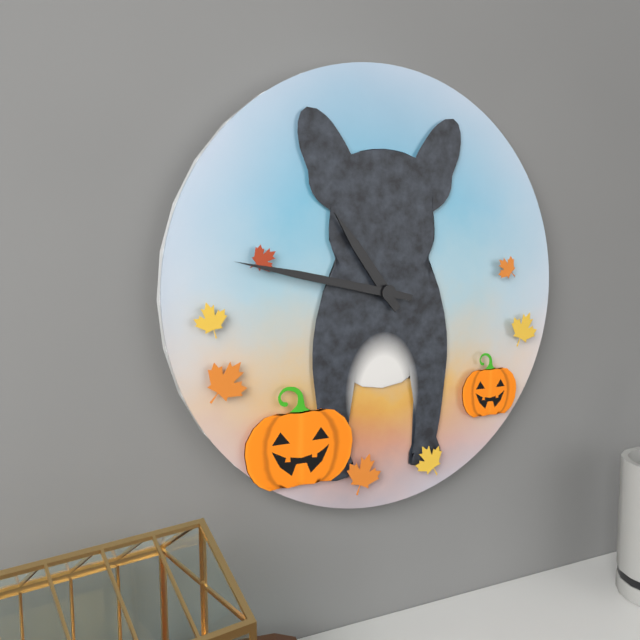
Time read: 10:47
